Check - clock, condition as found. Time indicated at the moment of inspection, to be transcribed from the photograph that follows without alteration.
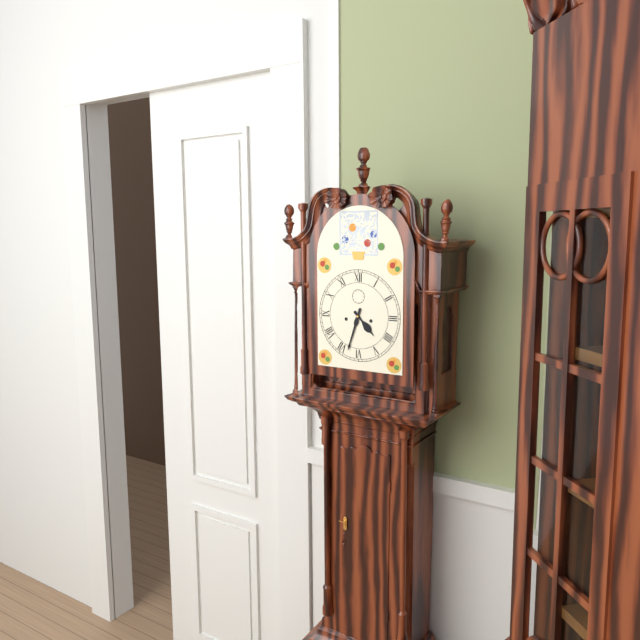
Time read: 4:33
